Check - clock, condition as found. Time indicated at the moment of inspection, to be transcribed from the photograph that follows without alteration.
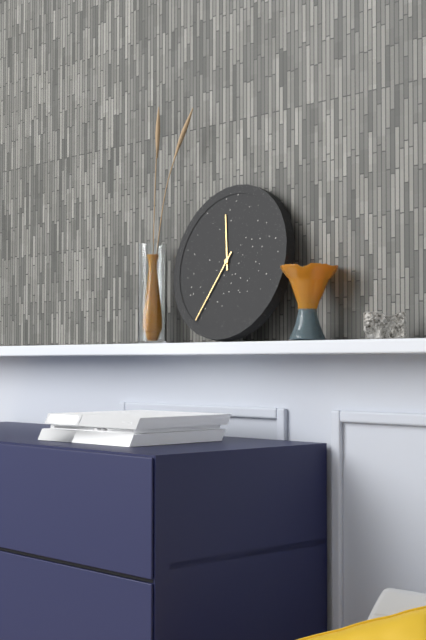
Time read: 11:35
